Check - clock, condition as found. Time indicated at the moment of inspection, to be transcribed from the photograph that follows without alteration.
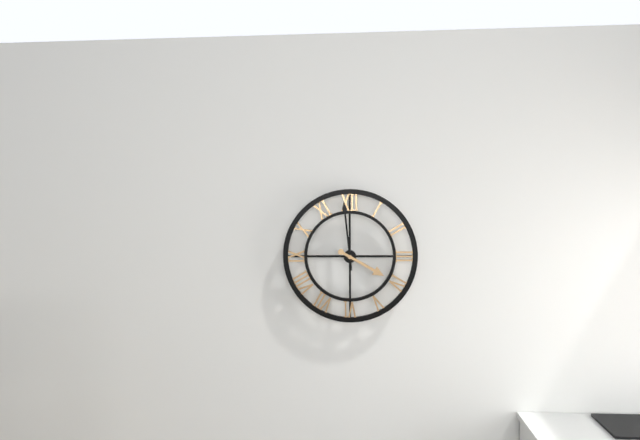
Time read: 3:59
